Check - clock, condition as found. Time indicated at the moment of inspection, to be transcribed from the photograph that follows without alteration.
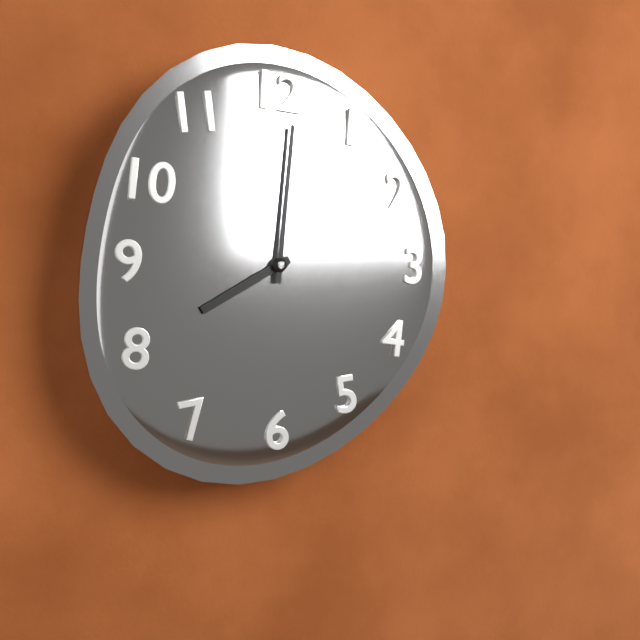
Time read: 8:01
